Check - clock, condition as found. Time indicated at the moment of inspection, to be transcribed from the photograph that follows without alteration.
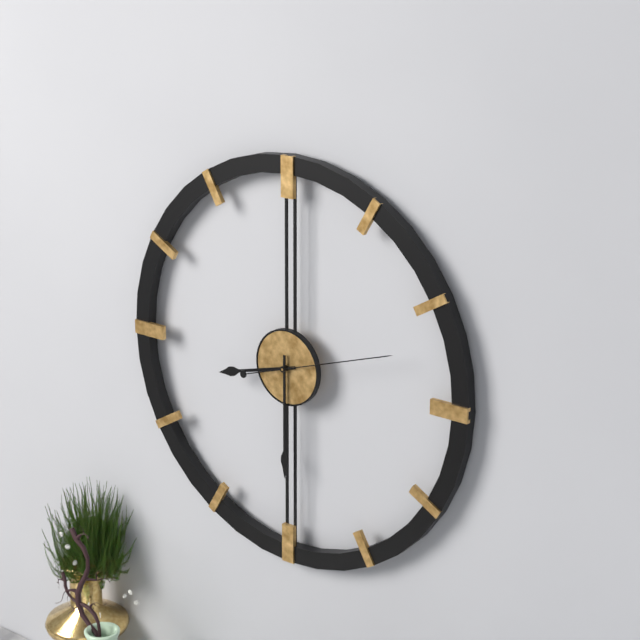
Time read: 8:30:12
